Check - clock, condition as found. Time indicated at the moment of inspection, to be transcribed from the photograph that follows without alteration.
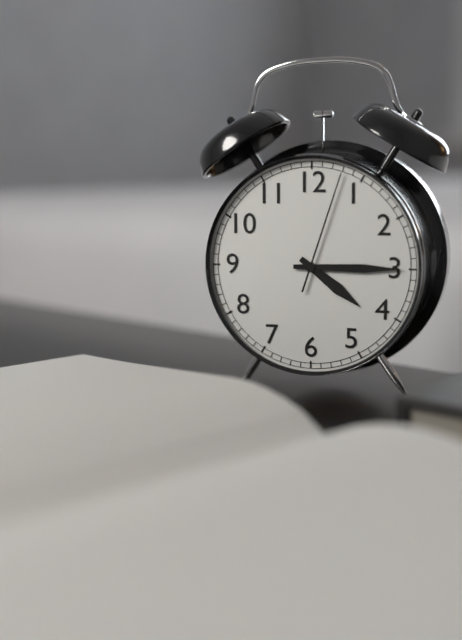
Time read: 4:15:03
